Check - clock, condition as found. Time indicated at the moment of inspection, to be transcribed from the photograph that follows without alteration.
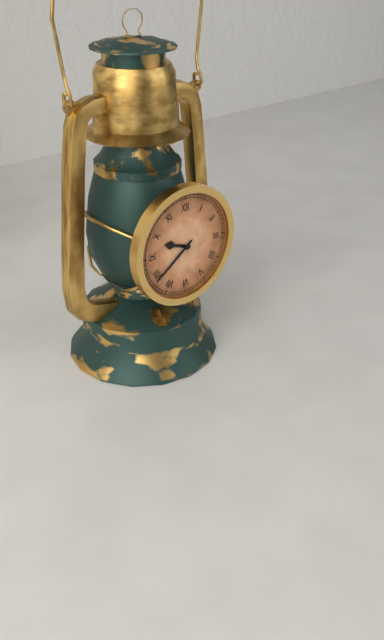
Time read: 9:39
